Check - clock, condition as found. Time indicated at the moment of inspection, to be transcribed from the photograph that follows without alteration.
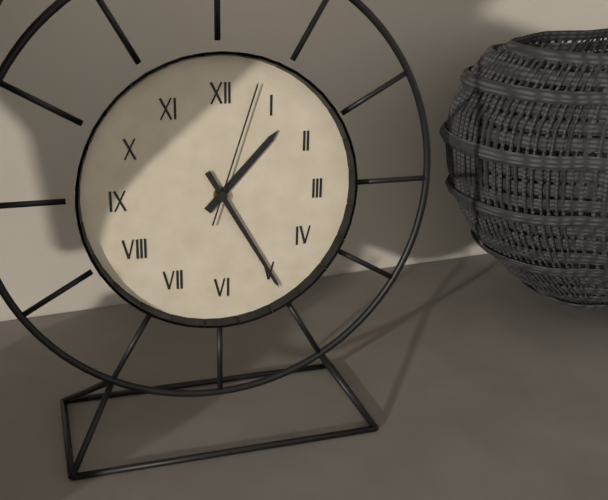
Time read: 1:25:03
